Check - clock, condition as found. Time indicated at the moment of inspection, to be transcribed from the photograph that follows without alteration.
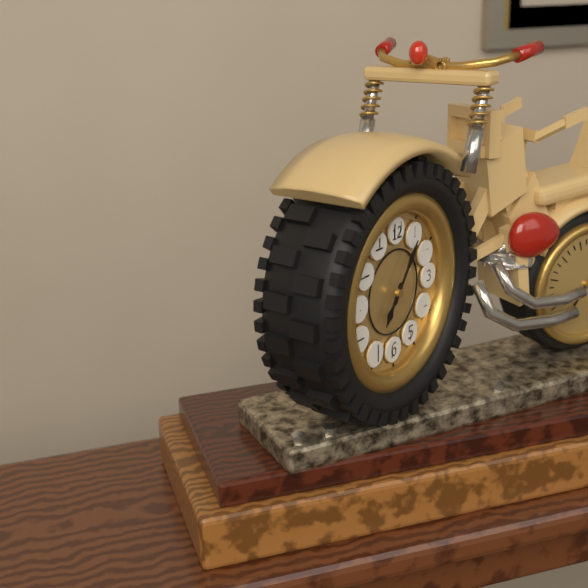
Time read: 7:06
